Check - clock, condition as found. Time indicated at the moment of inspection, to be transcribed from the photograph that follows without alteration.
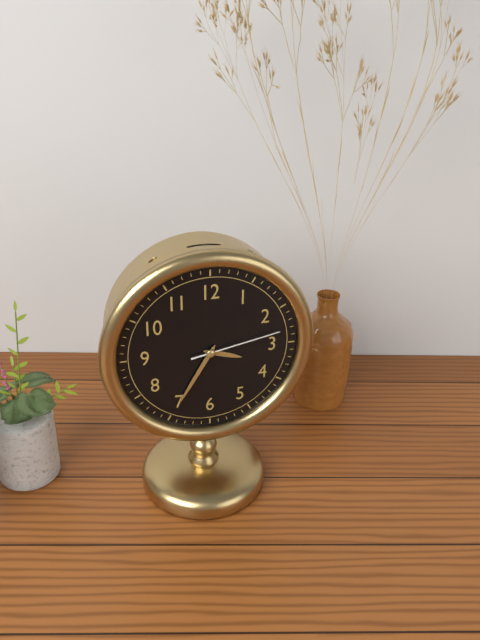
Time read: 3:35:13
